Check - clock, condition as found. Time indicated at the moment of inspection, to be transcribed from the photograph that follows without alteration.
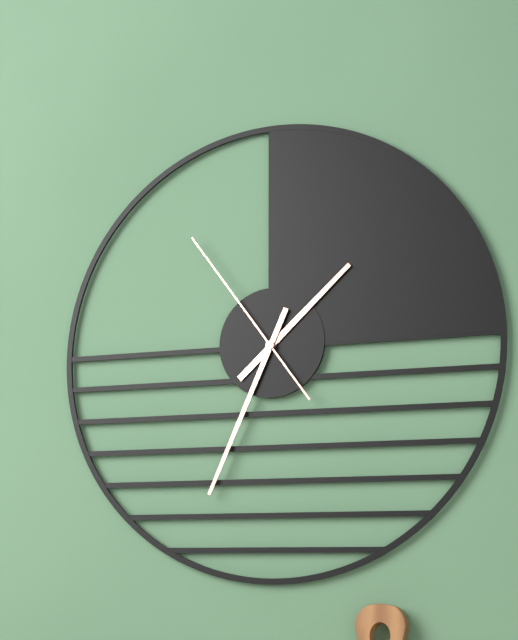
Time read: 1:34:54
